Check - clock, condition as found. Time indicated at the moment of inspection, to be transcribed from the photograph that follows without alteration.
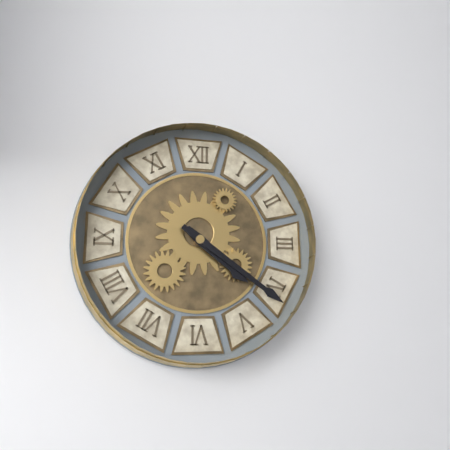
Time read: 4:21
